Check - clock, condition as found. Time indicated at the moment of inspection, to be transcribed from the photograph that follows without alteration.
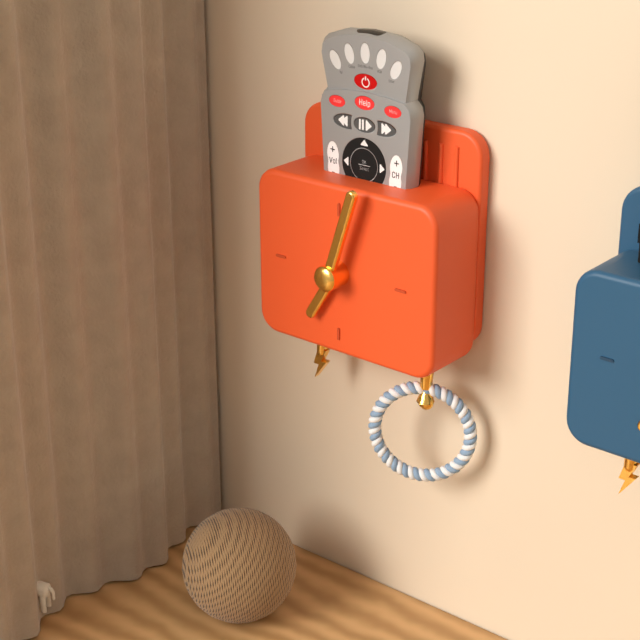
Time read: 7:03
